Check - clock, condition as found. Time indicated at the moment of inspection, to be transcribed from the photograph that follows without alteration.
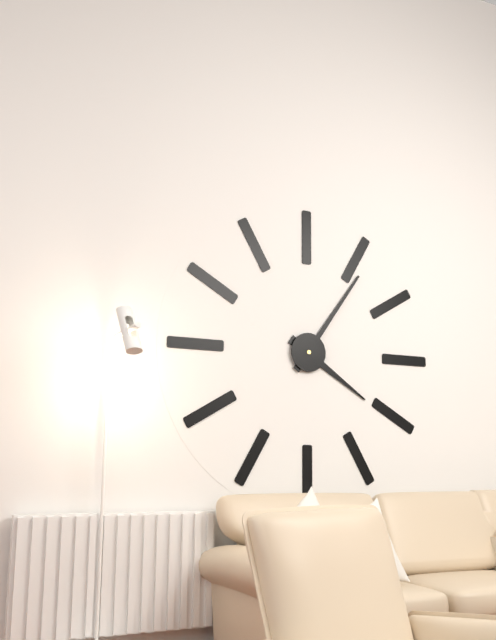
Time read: 4:06
